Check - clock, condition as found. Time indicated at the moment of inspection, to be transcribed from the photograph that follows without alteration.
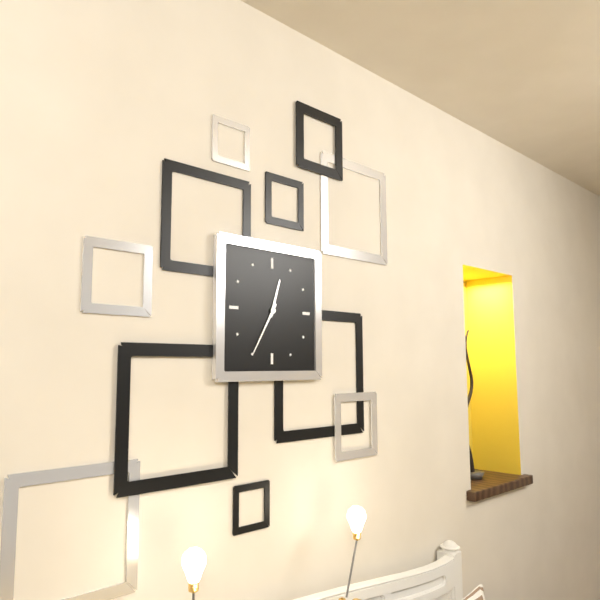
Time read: 12:35
